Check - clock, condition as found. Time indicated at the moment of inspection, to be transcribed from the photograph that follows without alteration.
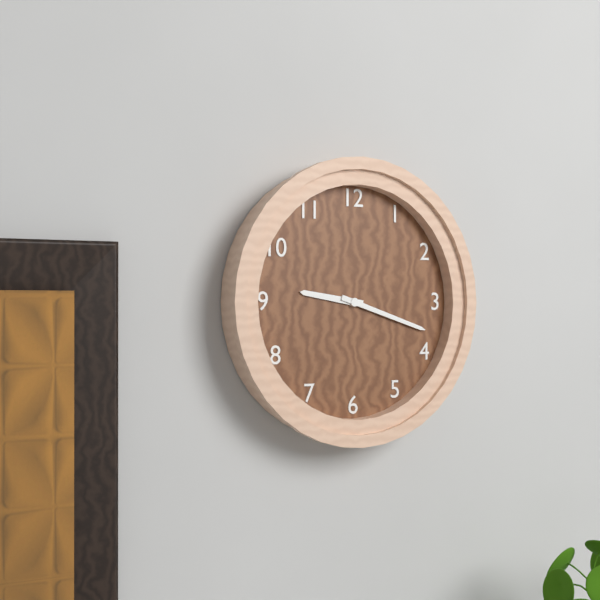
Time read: 9:18
